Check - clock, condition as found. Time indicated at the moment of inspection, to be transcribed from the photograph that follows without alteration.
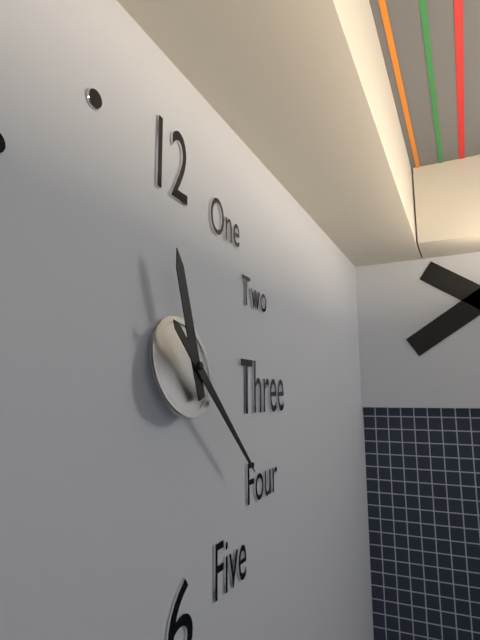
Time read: 11:22
